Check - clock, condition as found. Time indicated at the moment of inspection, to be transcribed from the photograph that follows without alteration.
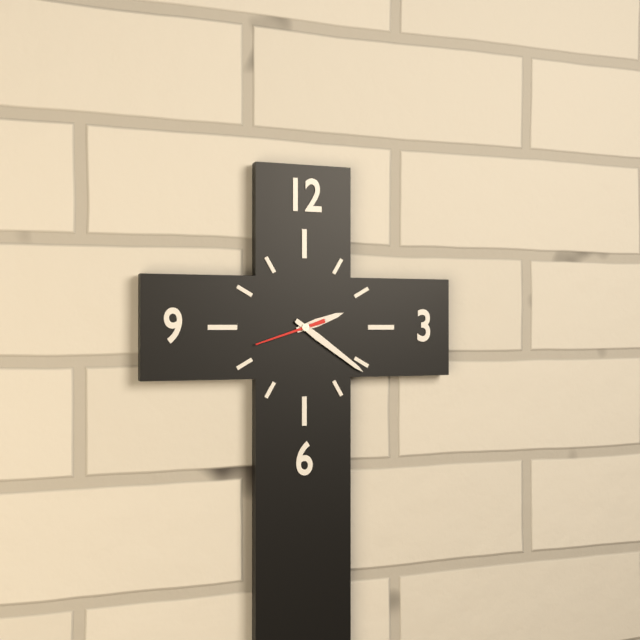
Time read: 2:21:42
